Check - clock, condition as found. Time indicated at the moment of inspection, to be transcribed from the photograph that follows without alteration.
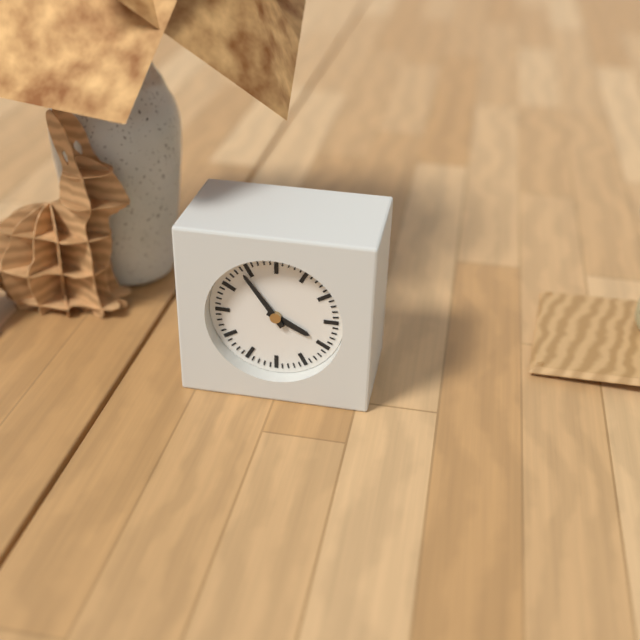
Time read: 3:54
